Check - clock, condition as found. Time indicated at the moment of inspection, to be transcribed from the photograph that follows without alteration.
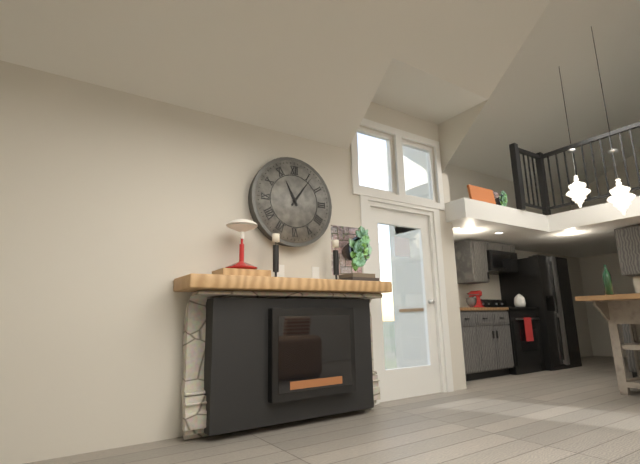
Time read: 11:06
